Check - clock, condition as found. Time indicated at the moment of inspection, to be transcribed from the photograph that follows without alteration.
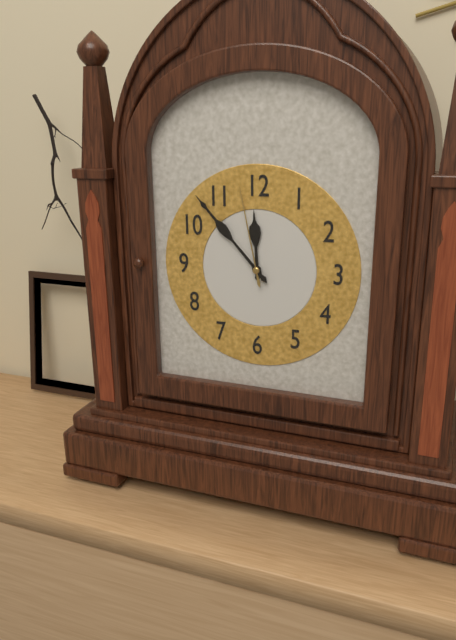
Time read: 11:53:58
